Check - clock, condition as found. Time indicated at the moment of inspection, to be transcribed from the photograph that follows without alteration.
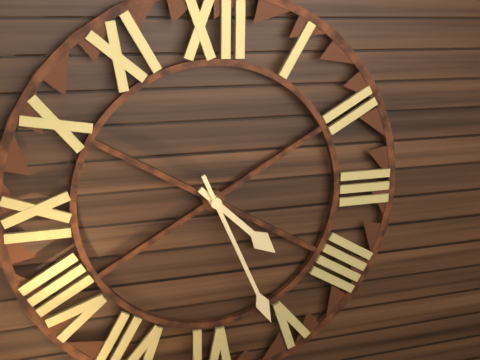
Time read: 4:26
